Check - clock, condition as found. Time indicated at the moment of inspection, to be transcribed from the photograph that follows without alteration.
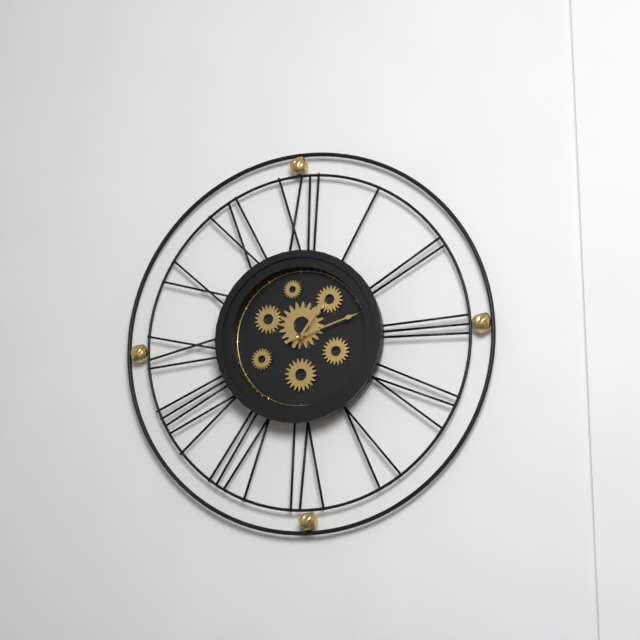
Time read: 1:12
